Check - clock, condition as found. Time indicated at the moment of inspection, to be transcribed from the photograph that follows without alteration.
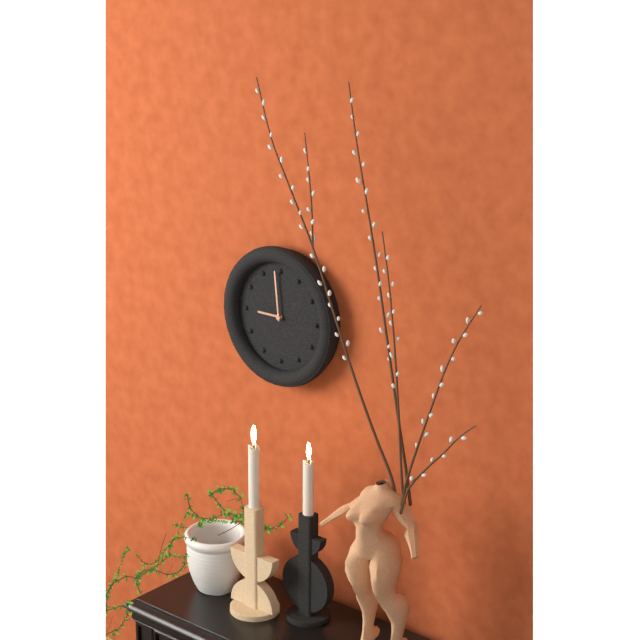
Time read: 8:59
